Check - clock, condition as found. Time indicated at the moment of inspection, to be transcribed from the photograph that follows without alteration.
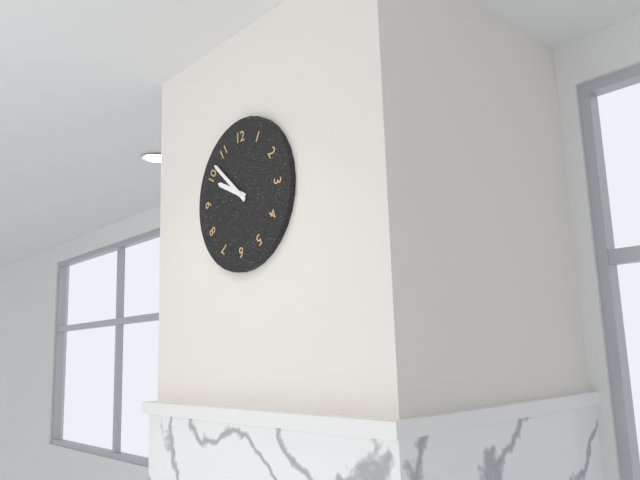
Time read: 9:52
